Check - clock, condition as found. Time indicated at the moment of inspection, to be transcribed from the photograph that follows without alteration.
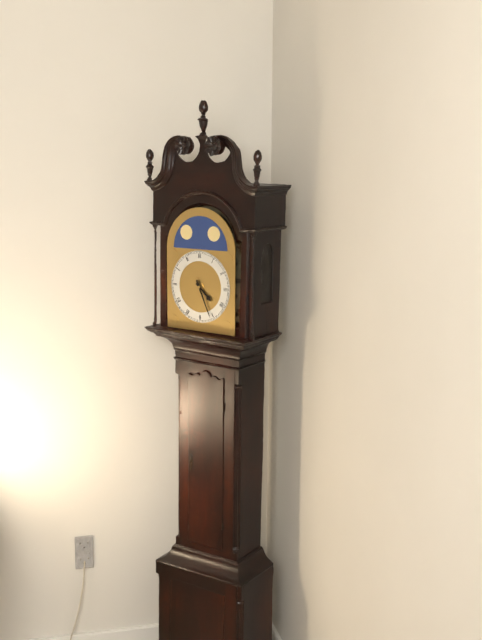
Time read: 4:26
